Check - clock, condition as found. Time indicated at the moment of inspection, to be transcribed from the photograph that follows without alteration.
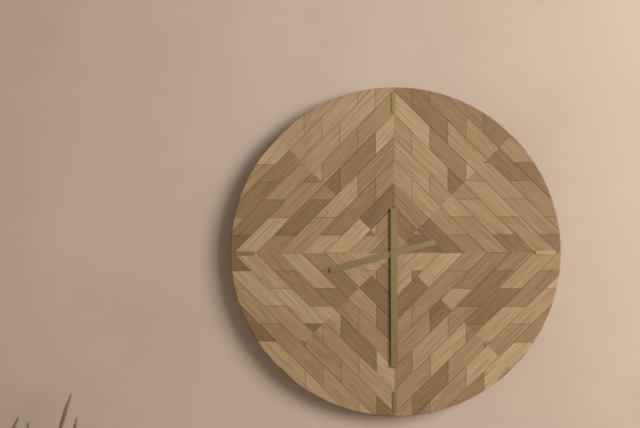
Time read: 8:30
